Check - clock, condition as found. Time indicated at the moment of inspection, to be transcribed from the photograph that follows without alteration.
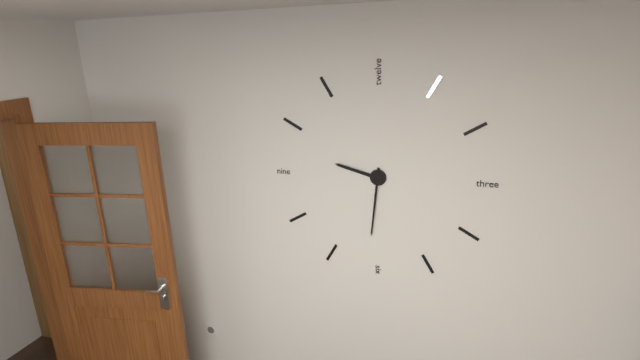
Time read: 9:31
